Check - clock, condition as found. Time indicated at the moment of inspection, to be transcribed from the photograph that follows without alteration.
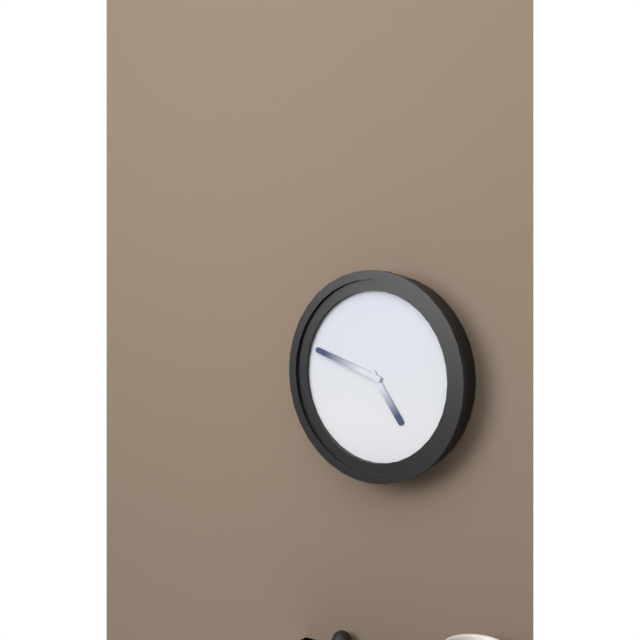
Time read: 4:48
